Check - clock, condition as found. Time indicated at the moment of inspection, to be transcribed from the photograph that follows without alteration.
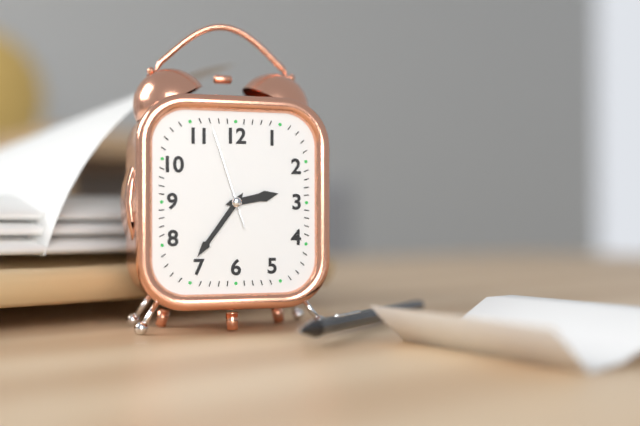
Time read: 2:36:57
